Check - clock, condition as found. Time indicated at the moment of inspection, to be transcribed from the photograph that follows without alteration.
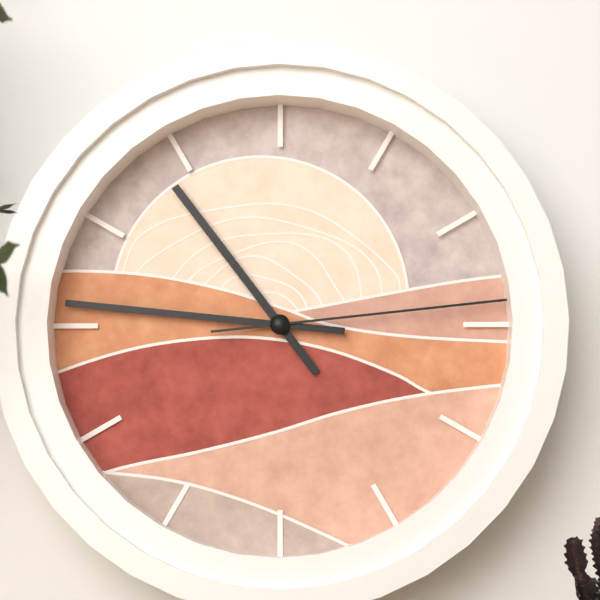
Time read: 10:46:14
